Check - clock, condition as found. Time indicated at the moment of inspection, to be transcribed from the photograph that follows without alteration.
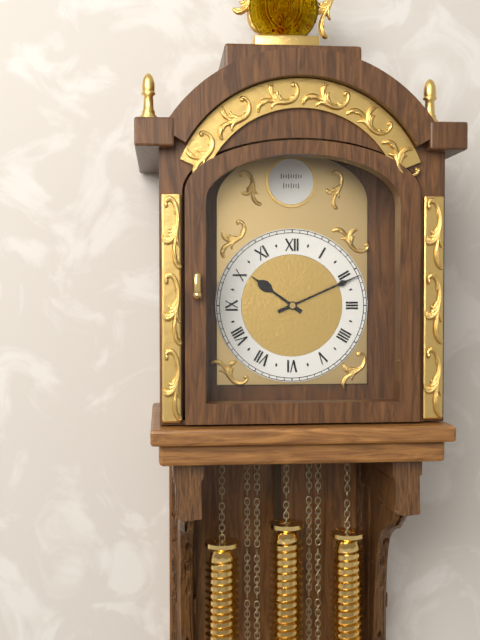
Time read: 10:11
